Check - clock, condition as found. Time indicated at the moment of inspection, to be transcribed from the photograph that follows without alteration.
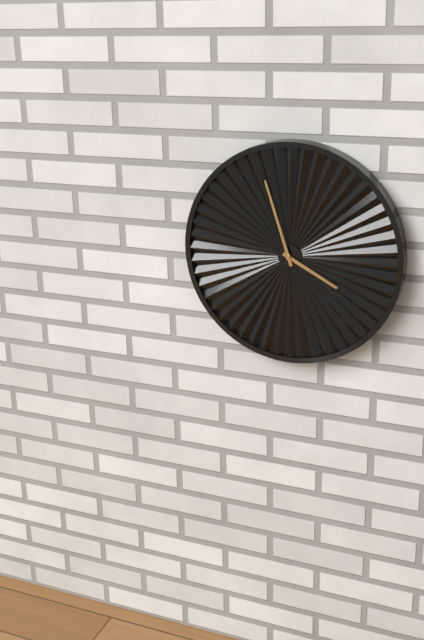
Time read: 3:57
